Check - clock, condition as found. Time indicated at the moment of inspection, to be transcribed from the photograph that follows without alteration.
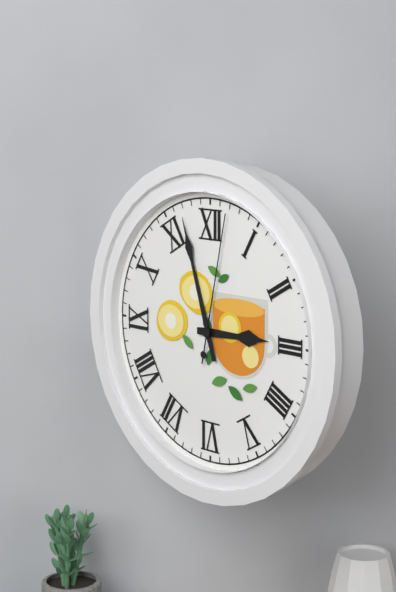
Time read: 2:57:02
